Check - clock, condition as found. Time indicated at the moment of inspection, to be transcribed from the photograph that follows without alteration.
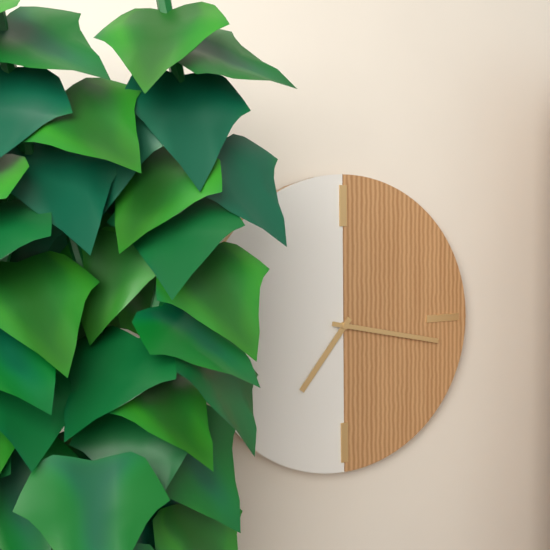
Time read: 7:17
